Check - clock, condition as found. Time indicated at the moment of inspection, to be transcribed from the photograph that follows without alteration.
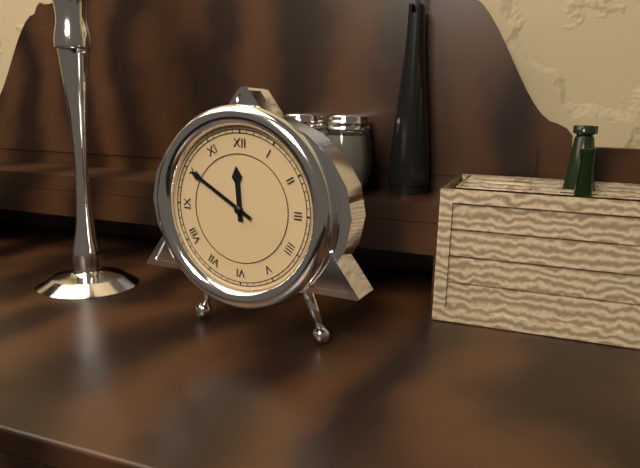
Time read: 11:50
